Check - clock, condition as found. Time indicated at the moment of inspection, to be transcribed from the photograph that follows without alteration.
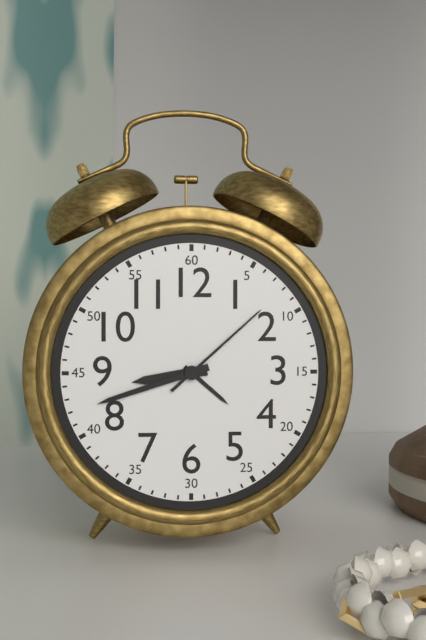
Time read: 8:42:08
